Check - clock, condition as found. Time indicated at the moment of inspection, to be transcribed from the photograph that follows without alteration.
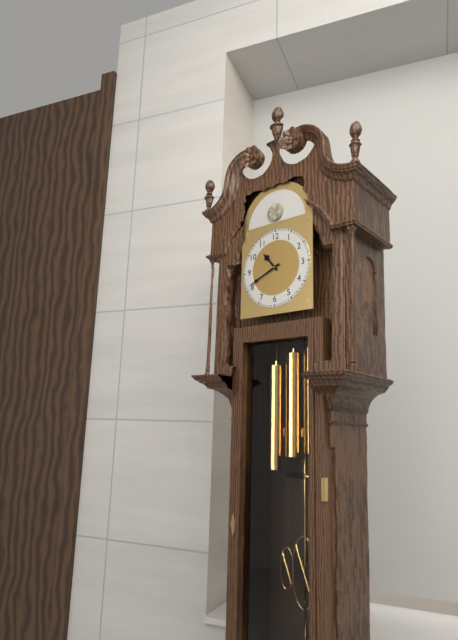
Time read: 10:41
